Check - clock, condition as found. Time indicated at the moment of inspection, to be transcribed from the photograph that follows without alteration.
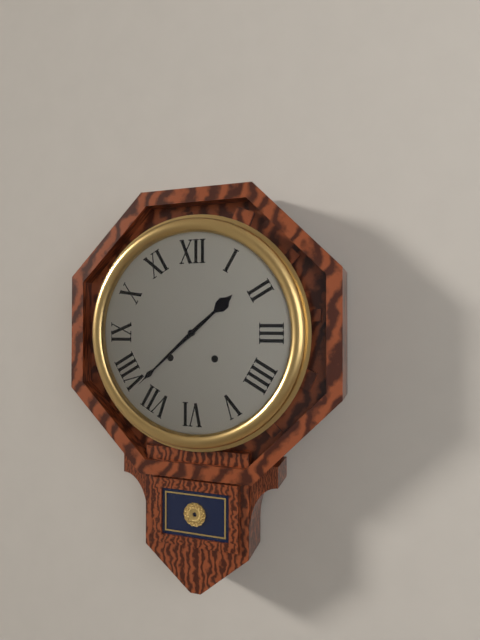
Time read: 1:38
